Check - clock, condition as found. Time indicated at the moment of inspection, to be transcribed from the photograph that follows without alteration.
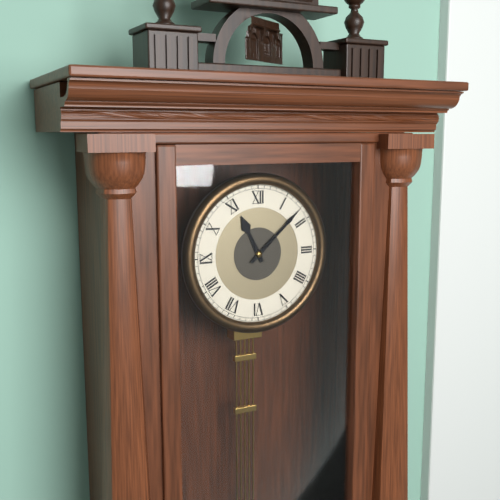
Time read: 11:08
